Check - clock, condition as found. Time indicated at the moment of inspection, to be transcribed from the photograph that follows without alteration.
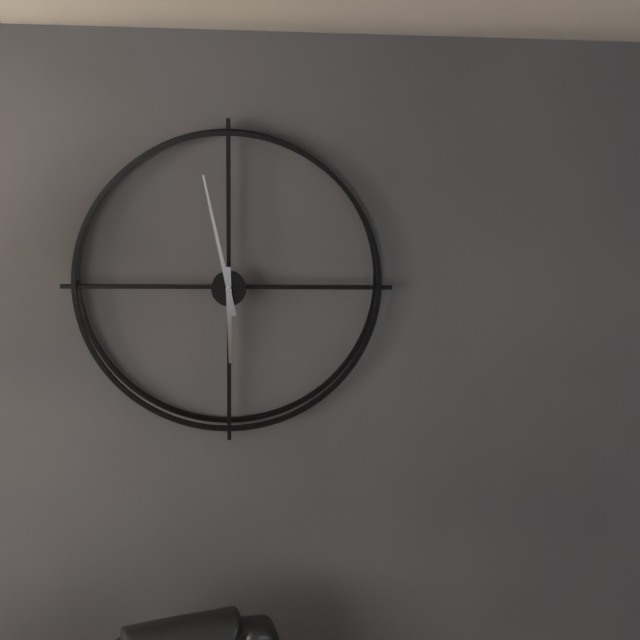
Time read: 5:58
